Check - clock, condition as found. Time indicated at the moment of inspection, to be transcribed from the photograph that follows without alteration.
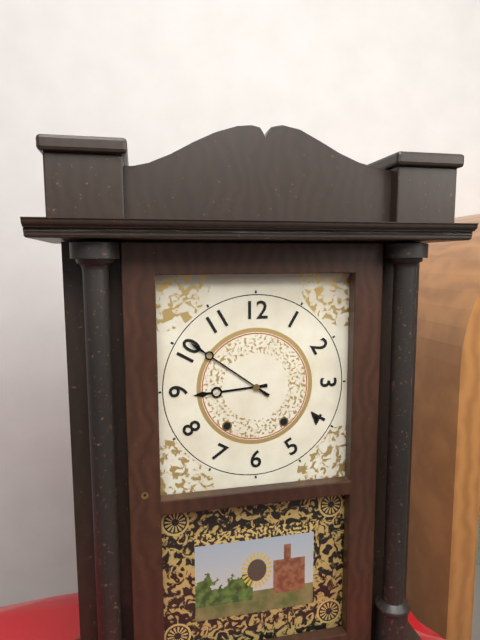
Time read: 8:51
